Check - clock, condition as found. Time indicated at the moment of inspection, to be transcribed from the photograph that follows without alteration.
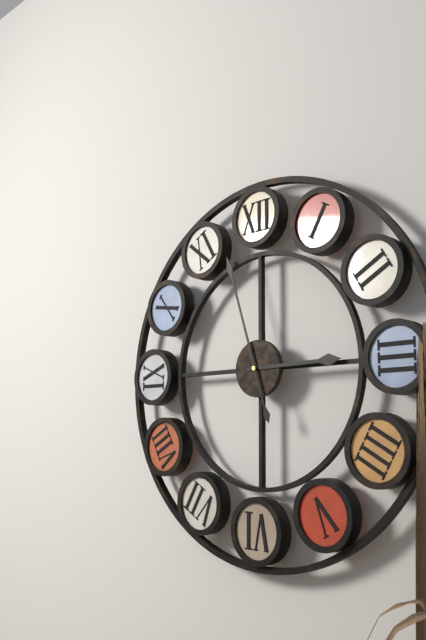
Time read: 2:57
